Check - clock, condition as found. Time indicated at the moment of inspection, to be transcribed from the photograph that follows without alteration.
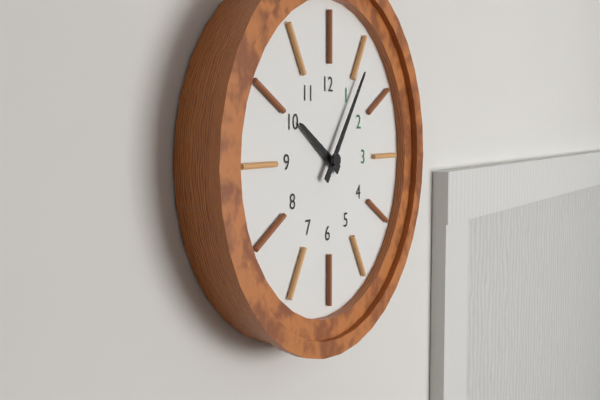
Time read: 10:06
